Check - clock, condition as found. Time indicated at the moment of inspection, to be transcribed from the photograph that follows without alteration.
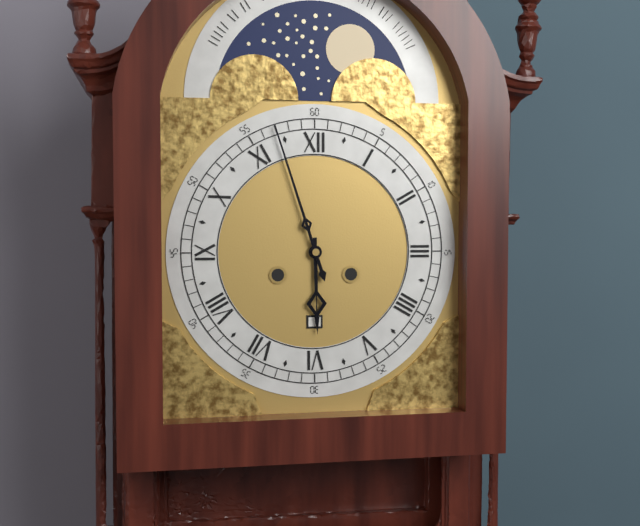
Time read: 5:57
